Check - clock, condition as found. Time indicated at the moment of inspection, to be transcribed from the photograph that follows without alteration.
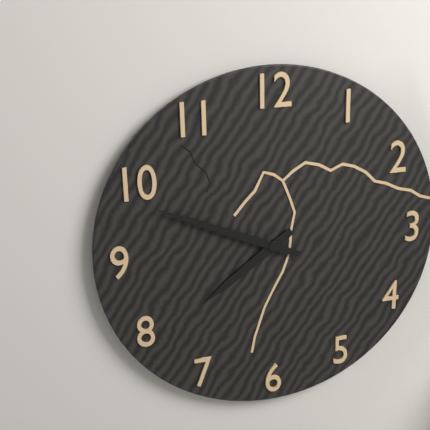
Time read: 7:49
